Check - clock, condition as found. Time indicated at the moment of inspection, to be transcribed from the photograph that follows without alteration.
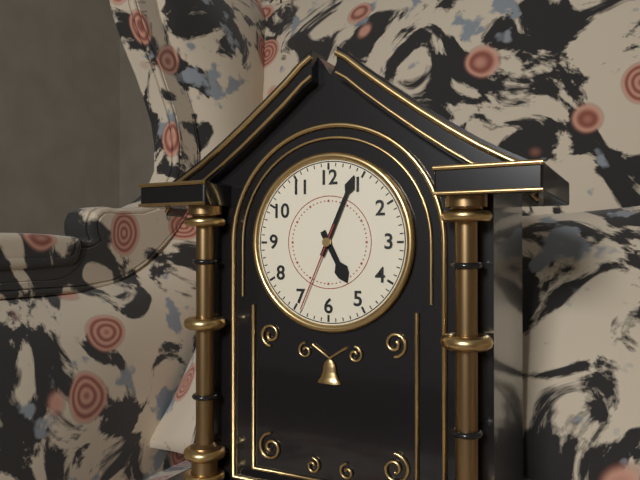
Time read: 5:04:34
